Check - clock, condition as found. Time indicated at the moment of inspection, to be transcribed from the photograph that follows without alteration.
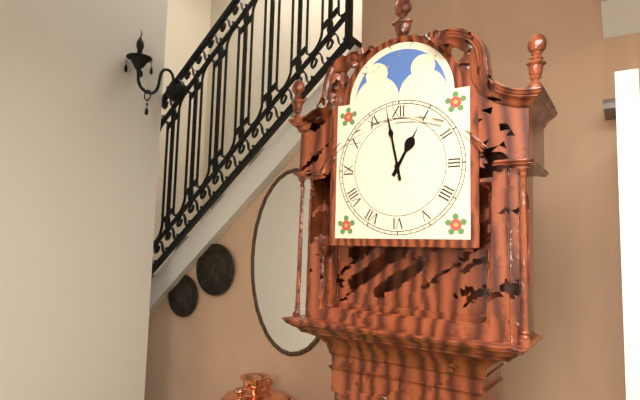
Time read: 12:58
